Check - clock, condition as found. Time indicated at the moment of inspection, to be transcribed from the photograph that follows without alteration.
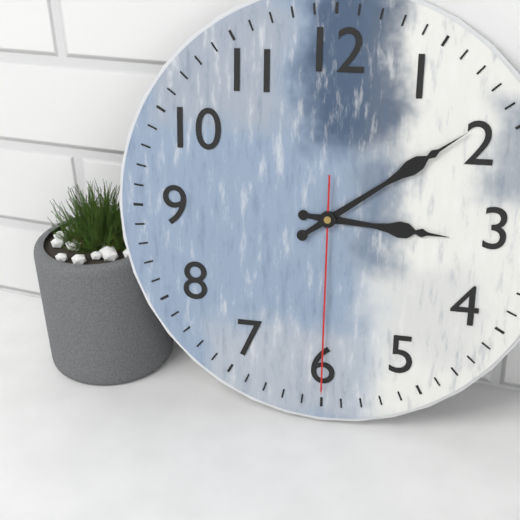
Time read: 3:09:30
